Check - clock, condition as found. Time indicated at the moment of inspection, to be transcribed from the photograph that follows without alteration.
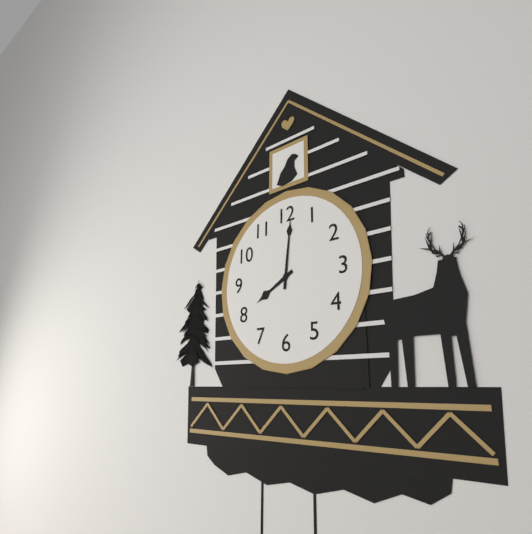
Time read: 8:01
